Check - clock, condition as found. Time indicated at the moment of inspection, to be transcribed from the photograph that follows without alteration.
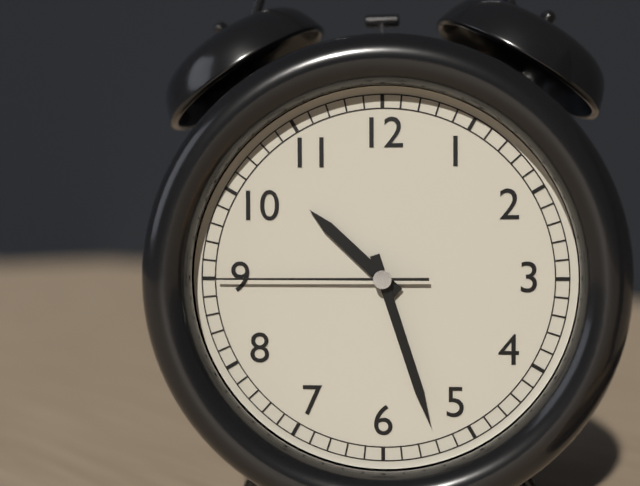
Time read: 10:27:45
